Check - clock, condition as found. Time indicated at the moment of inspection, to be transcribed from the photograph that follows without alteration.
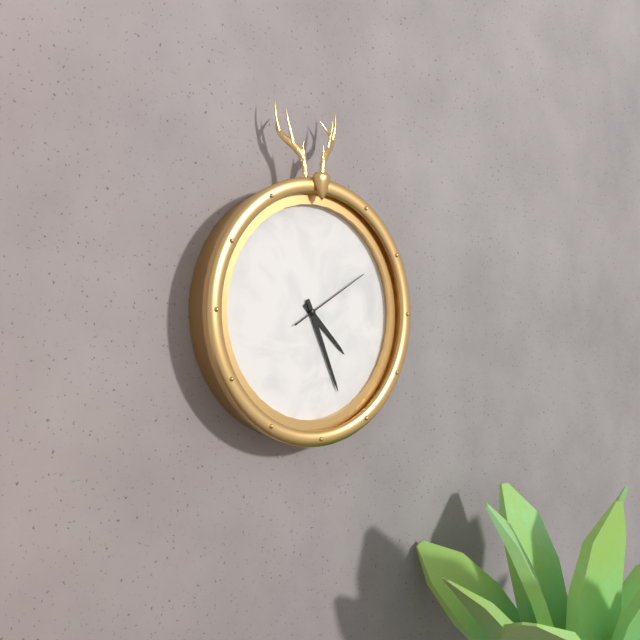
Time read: 4:26:10
